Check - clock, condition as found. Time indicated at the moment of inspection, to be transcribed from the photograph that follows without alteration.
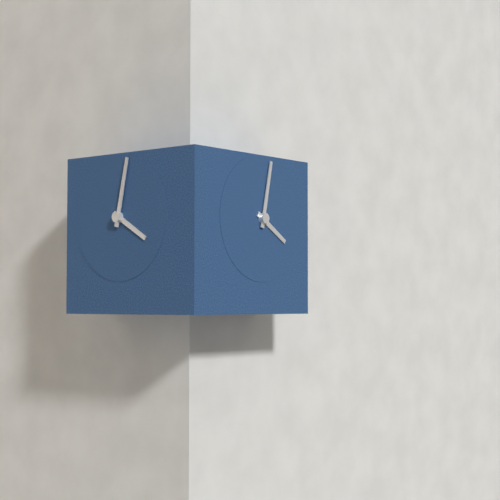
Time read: 4:02
